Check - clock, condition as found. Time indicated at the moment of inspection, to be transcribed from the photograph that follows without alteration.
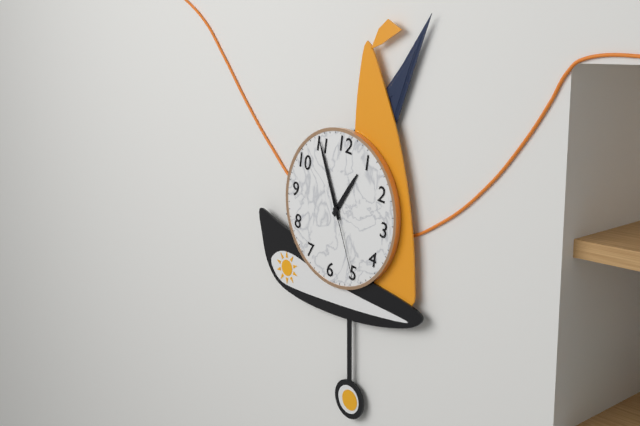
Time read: 12:55:25
